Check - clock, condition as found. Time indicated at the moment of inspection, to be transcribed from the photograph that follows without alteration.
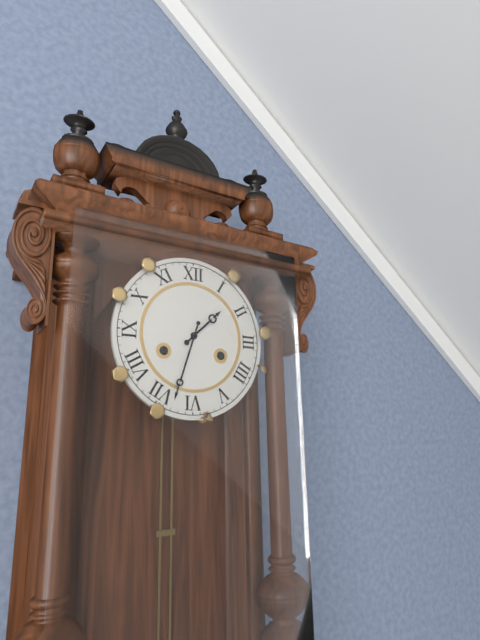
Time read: 1:33
